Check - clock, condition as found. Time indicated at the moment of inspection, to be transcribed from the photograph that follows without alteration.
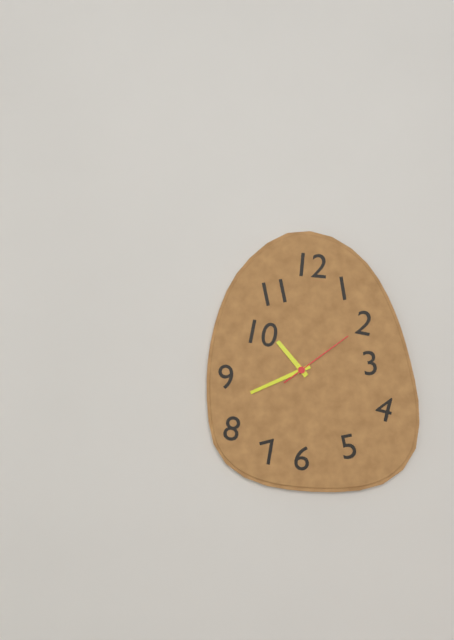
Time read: 10:41:09
